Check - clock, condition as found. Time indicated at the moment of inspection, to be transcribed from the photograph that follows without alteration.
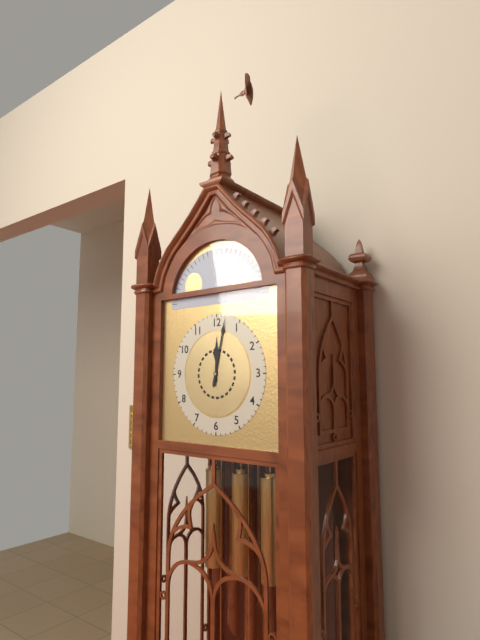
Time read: 12:02
